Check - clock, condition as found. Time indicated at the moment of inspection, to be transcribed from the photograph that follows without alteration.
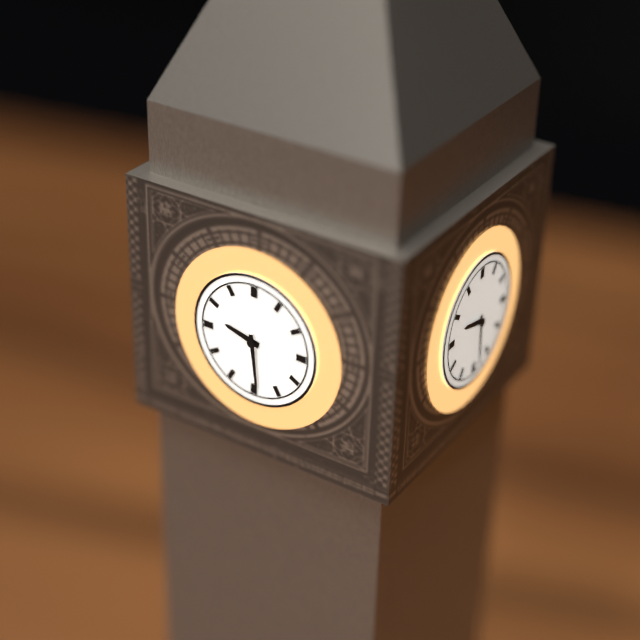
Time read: 9:29
